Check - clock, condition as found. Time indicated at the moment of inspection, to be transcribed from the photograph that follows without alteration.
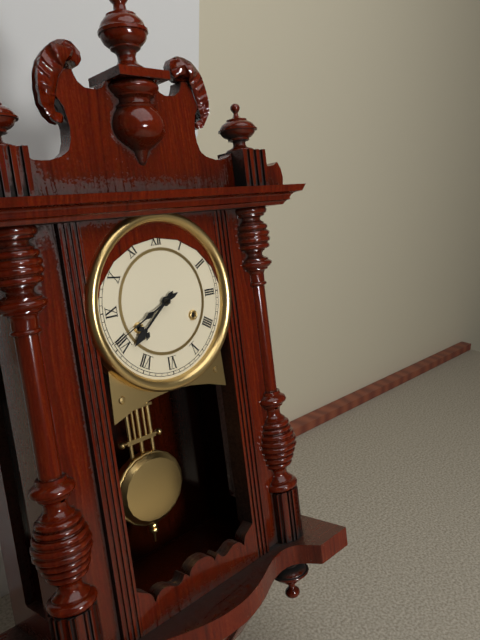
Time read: 7:41
